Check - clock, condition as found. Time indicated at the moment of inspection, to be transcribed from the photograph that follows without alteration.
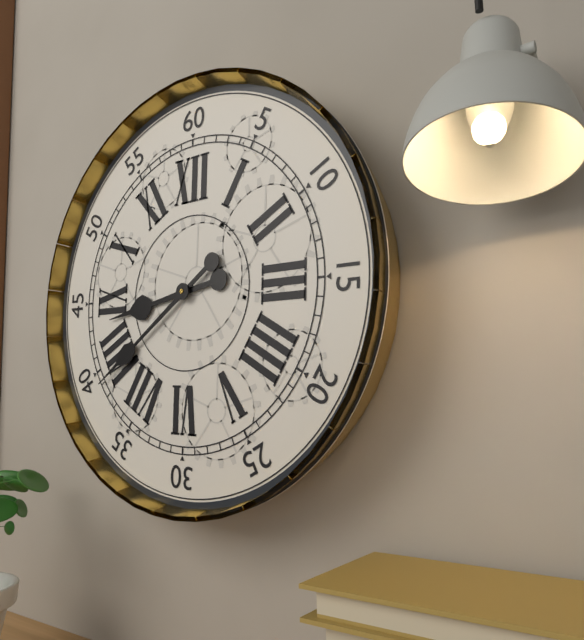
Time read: 8:39
